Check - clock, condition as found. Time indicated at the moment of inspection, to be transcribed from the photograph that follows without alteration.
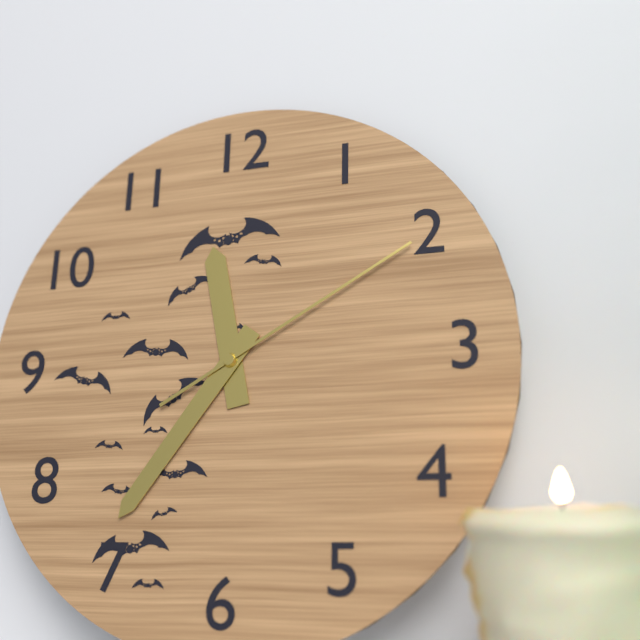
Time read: 11:36:10
